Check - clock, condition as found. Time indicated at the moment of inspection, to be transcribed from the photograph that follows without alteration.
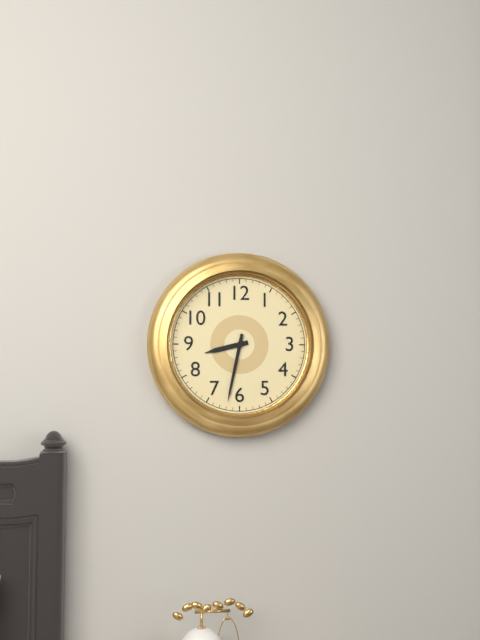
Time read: 8:32
